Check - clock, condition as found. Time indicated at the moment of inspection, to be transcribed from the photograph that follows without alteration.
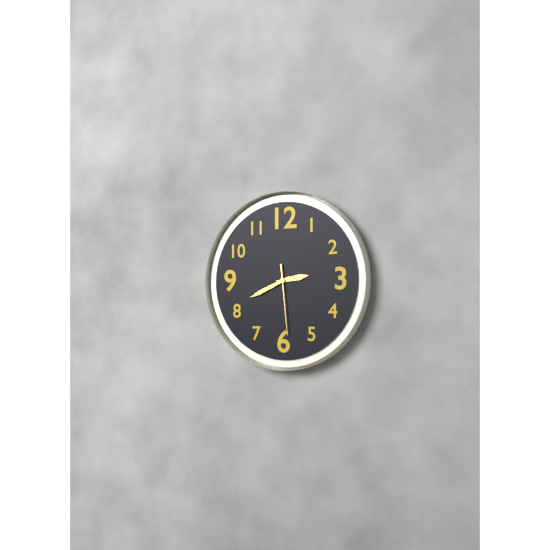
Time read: 2:41:29
